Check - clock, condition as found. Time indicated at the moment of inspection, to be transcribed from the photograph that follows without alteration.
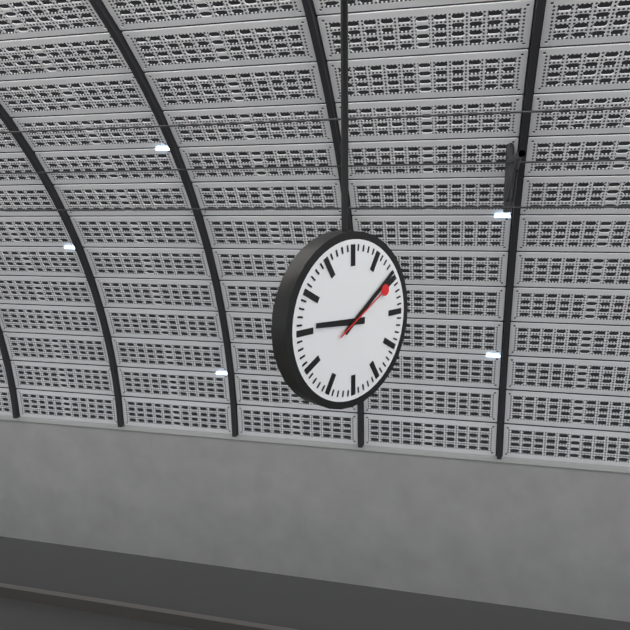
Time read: 9:09:10
